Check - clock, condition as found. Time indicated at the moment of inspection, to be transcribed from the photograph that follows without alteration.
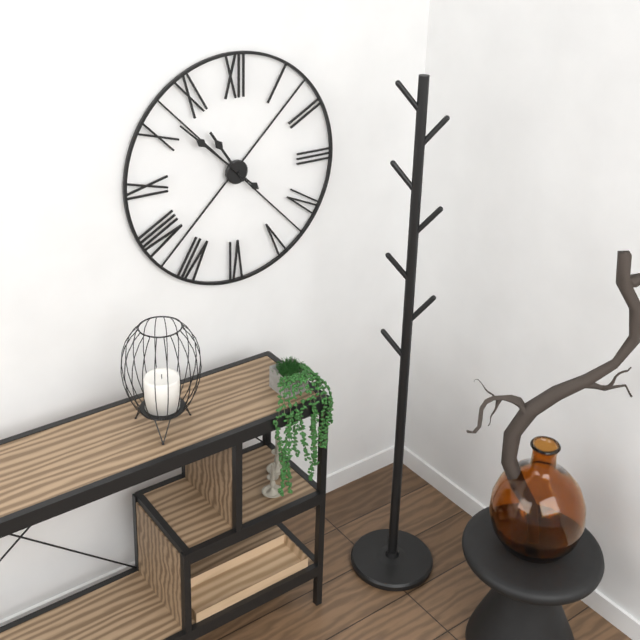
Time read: 10:52
